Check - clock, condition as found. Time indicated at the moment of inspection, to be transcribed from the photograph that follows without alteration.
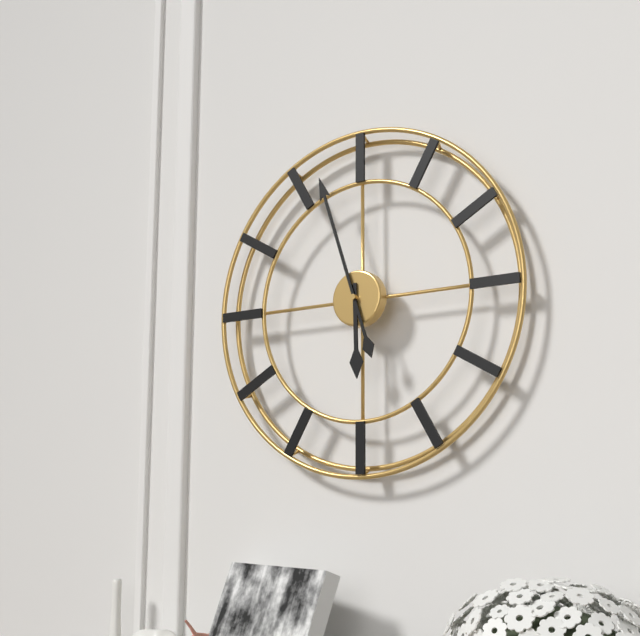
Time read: 5:57
